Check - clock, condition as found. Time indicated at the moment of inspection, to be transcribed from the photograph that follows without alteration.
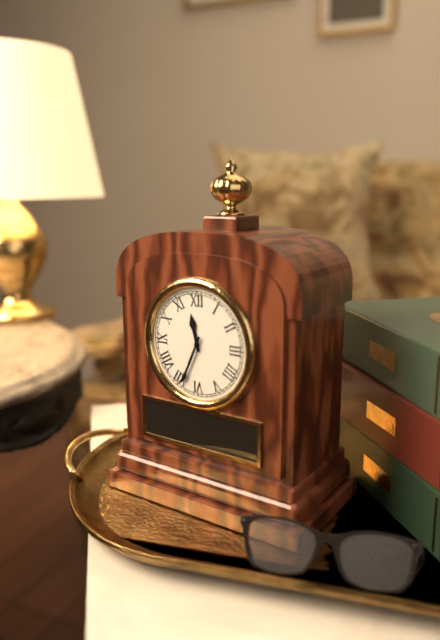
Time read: 11:34
